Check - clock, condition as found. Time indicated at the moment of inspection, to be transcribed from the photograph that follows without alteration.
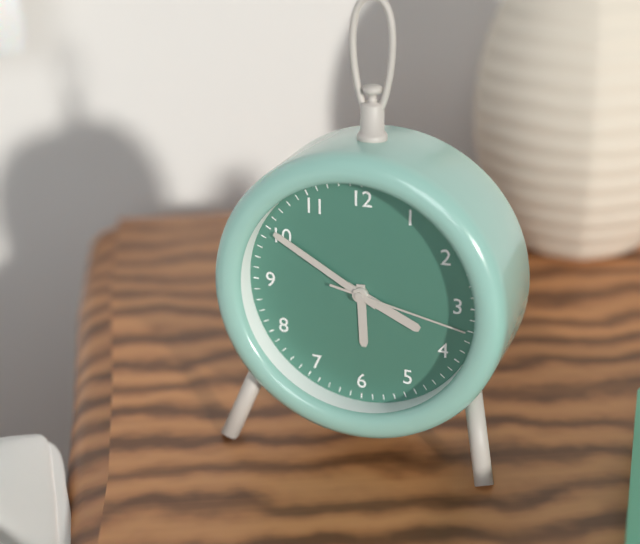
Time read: 3:50:17
